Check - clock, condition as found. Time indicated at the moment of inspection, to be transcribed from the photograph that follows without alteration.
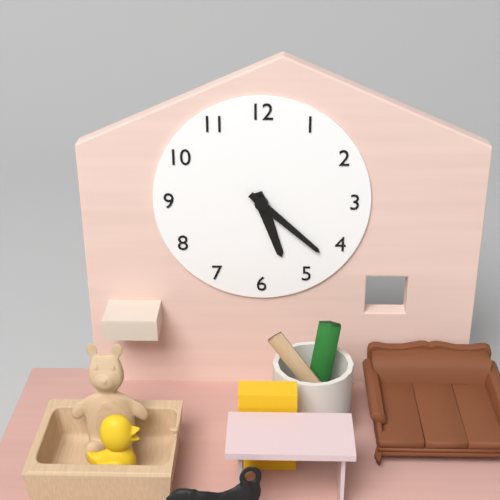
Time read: 5:22
